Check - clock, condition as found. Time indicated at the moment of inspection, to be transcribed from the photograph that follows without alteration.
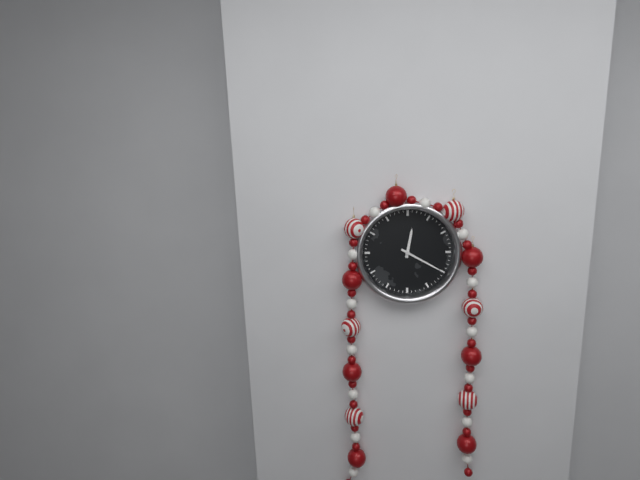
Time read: 12:20
